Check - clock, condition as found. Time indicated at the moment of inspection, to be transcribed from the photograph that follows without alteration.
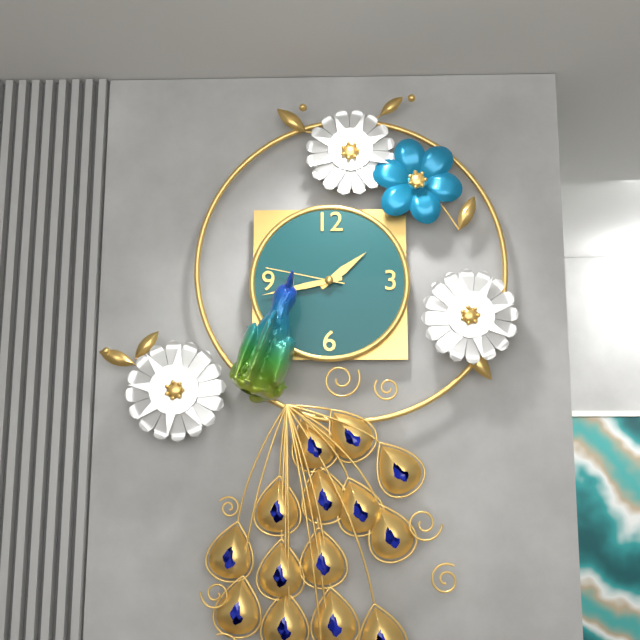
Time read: 1:43:47
